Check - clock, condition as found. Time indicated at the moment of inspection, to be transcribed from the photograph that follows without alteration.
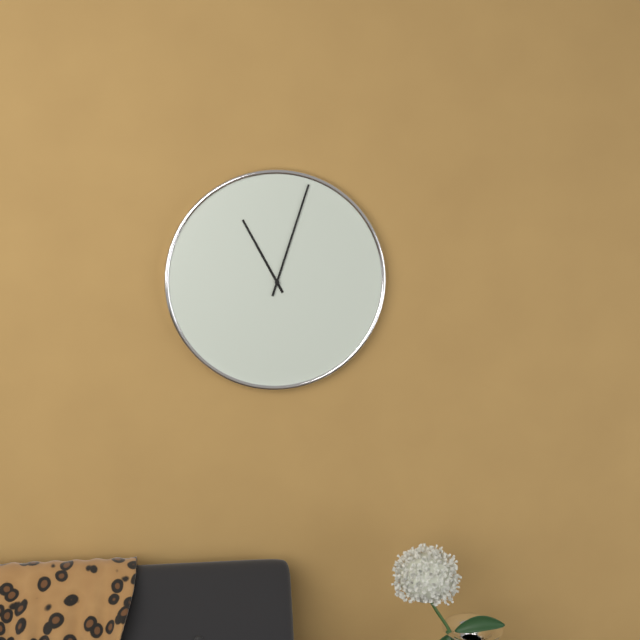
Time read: 11:03
